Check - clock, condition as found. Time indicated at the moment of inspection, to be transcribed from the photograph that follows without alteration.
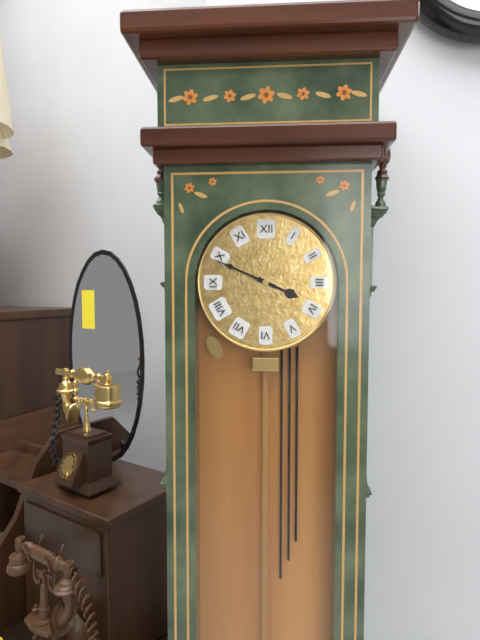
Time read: 3:49
